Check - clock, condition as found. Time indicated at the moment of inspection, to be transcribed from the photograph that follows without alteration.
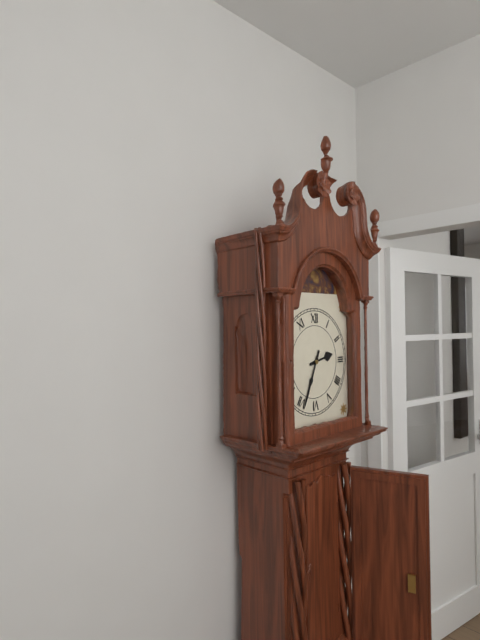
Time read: 2:34
